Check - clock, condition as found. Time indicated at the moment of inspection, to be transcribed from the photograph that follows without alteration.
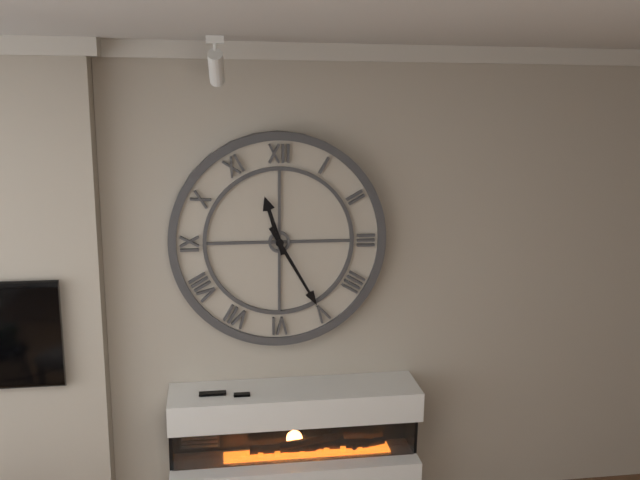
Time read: 11:25
